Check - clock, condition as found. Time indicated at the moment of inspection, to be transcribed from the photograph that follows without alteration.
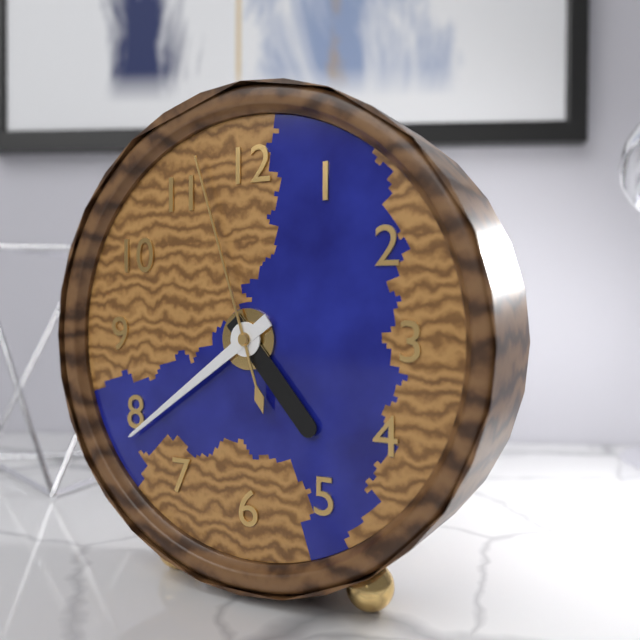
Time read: 4:39:57
